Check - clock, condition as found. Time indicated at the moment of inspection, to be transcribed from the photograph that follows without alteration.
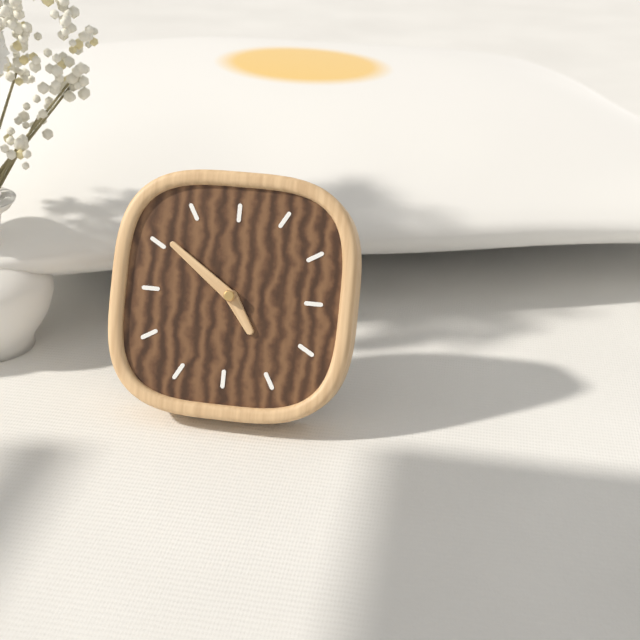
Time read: 4:51
